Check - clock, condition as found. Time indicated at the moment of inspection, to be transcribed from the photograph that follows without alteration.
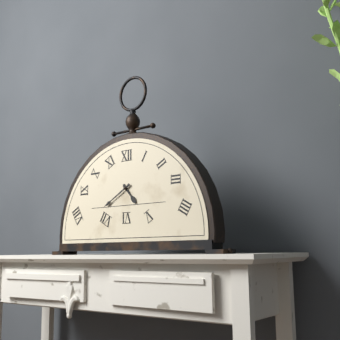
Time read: 4:40
